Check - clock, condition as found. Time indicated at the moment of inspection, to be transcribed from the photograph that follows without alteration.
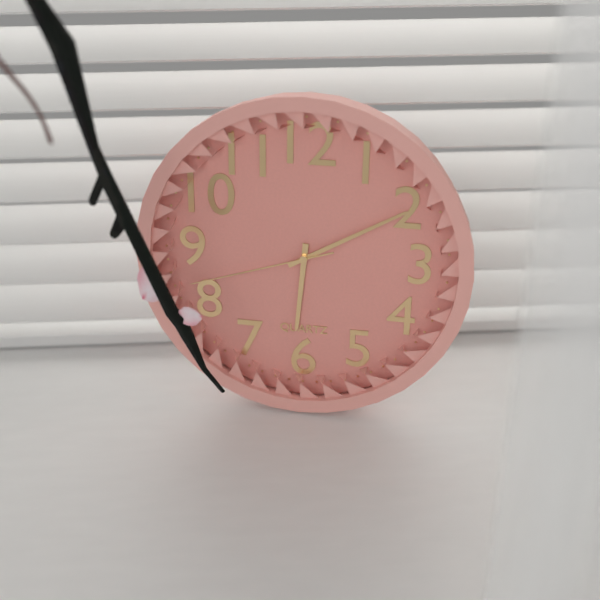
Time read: 6:10:42
